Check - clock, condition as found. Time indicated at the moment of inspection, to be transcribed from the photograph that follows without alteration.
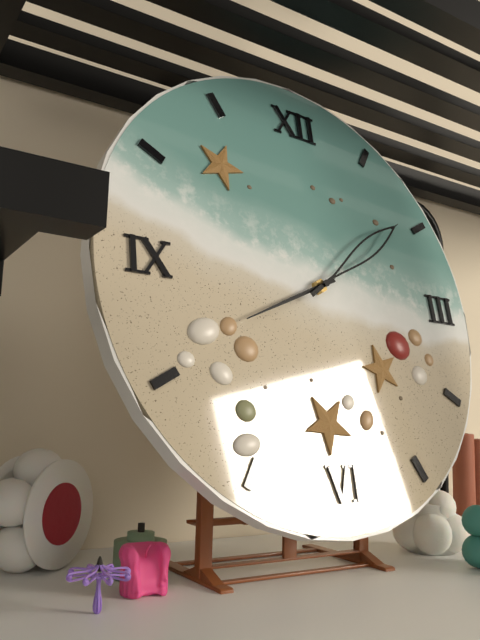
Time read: 8:09
